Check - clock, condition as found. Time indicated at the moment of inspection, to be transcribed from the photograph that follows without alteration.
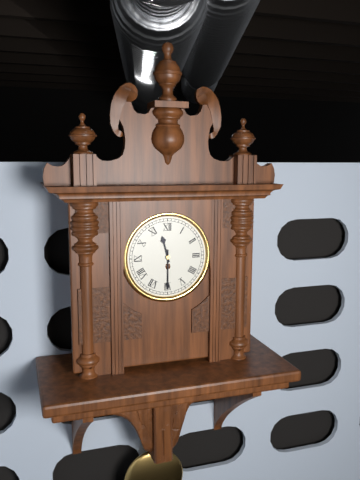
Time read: 11:30
